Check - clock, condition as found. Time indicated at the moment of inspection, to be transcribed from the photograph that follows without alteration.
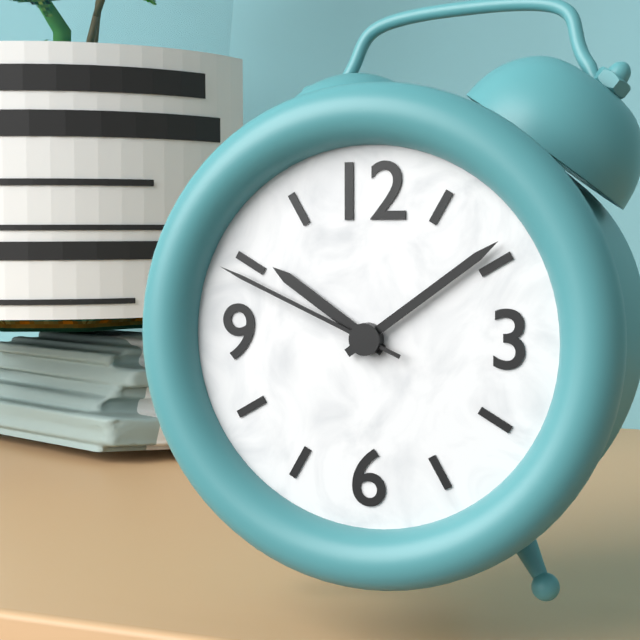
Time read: 10:09:49
